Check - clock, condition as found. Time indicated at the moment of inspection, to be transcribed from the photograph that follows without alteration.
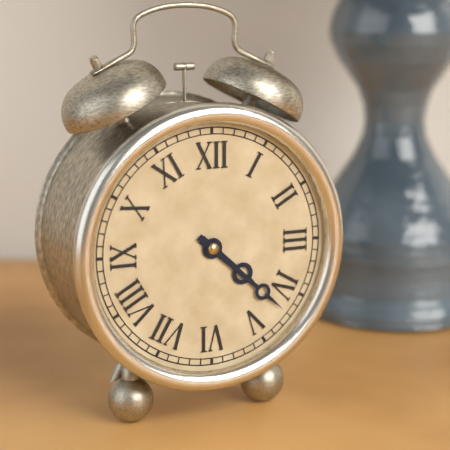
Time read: 4:22
